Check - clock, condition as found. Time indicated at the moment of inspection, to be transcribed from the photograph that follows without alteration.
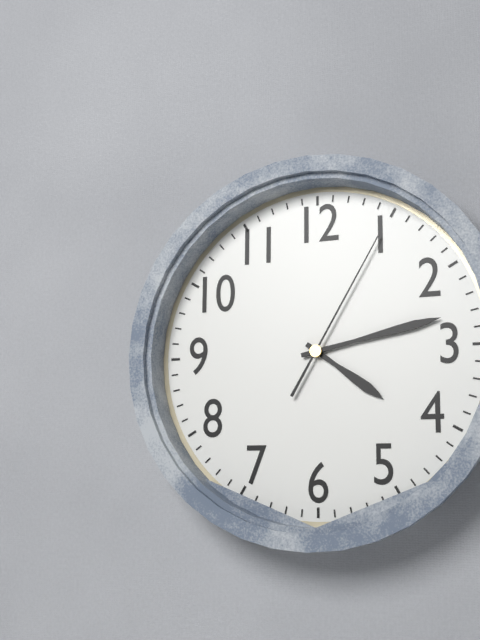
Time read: 4:13:05
